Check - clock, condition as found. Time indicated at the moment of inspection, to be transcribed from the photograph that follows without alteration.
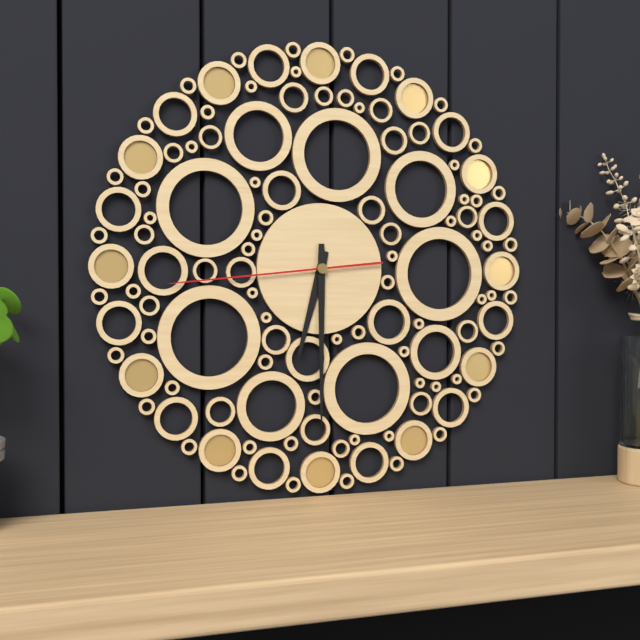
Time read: 6:30:44
